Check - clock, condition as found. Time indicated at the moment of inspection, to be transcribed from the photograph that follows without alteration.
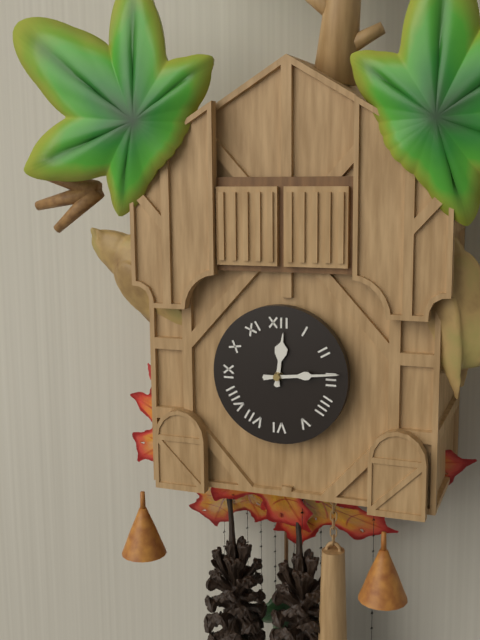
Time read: 12:14
